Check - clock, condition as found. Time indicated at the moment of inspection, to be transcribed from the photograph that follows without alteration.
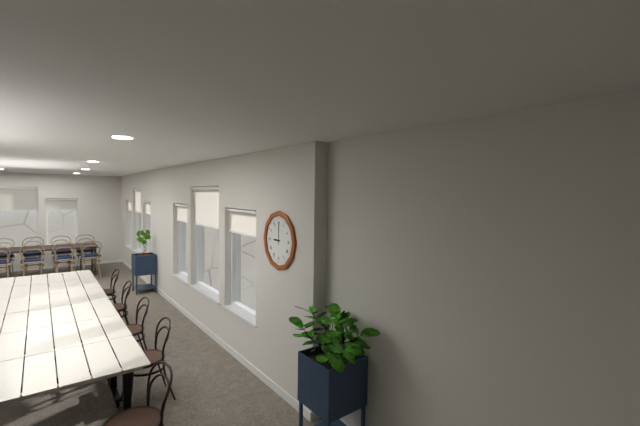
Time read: 9:00
